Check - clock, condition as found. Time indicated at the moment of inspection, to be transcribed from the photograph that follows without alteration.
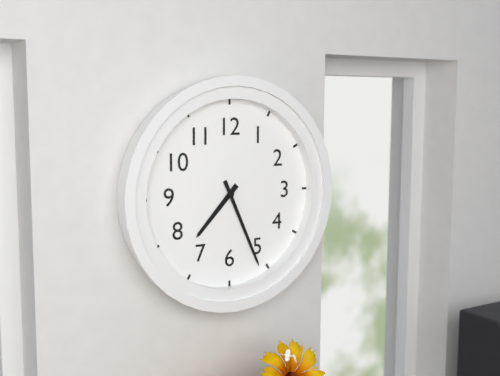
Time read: 7:26
